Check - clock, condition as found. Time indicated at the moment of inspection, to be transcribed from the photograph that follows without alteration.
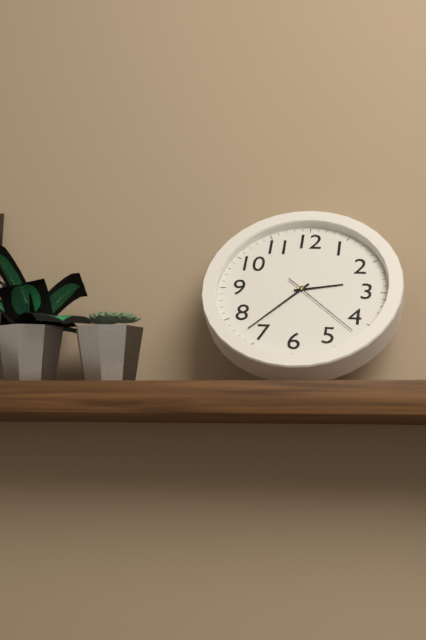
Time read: 2:37:22
